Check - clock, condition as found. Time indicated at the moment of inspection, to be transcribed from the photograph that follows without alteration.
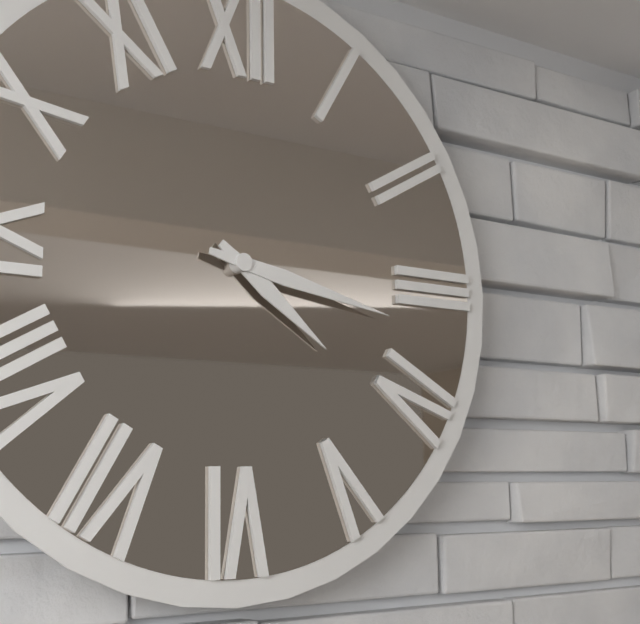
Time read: 4:17
